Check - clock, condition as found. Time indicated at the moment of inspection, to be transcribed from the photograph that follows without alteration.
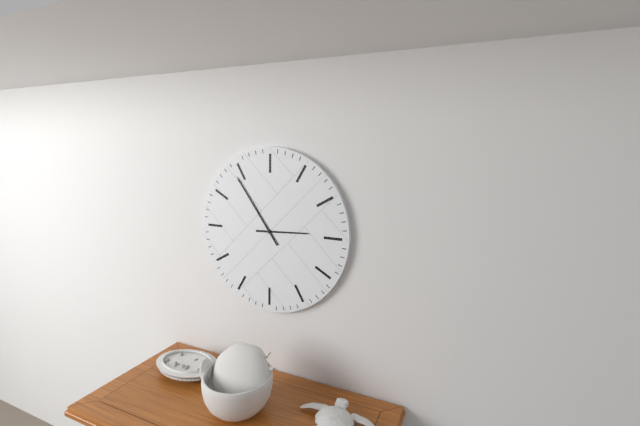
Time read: 2:54
